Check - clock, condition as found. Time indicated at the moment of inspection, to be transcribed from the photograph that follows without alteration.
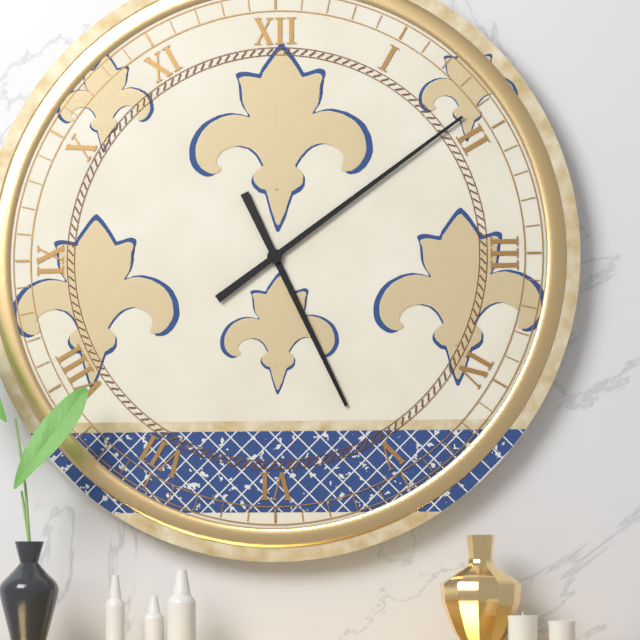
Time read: 5:09
